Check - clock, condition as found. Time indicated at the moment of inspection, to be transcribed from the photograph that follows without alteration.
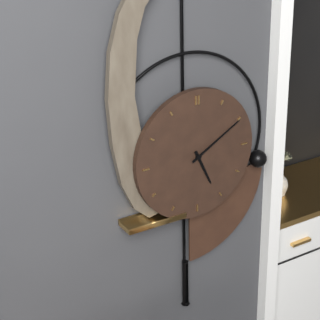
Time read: 5:10
